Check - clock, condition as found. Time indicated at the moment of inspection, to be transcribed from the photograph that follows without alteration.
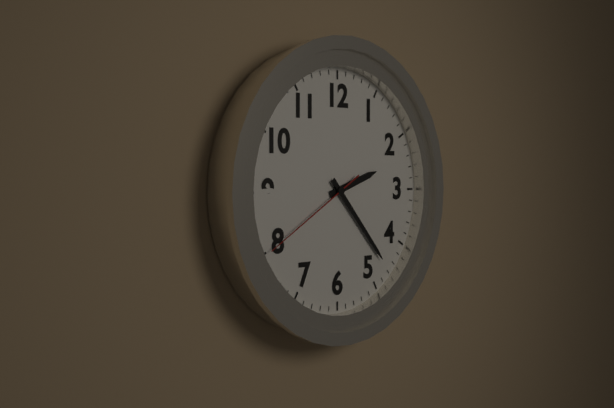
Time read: 2:23:40
